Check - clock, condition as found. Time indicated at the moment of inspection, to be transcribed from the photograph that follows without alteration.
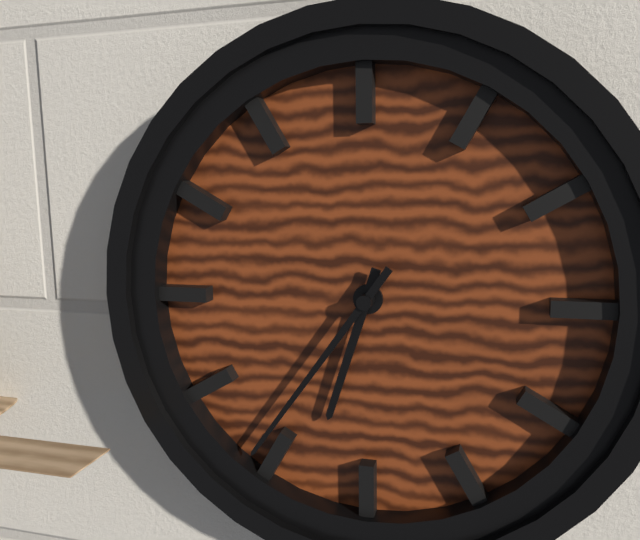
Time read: 6:36
